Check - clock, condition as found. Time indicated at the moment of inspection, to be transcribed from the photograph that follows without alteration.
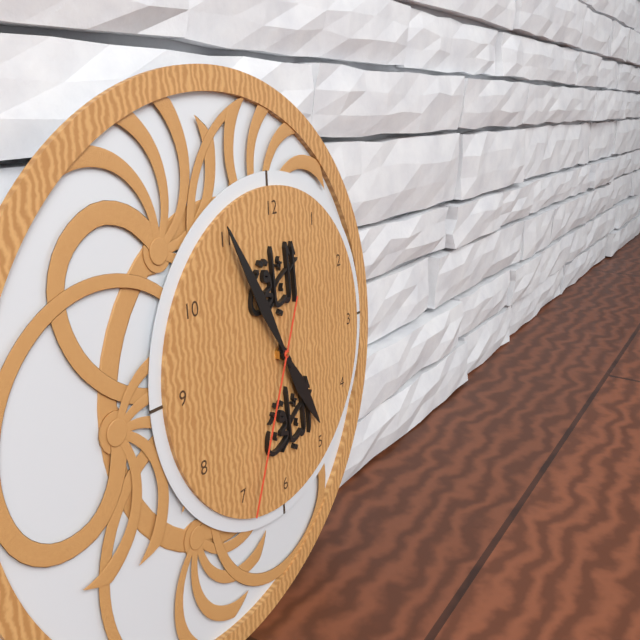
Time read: 4:55:34
